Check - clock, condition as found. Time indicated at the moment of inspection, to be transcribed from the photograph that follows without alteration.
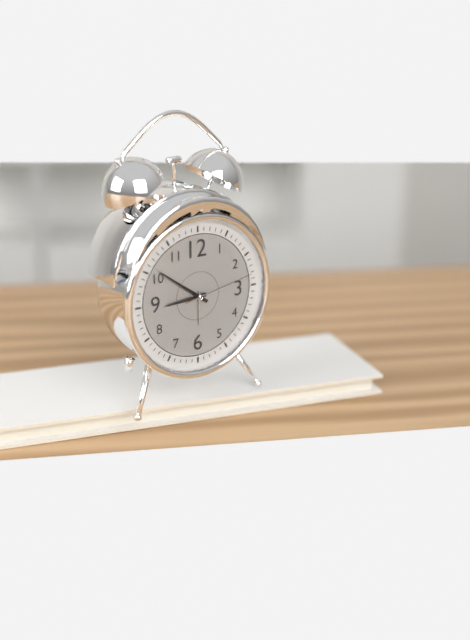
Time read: 8:51:13
